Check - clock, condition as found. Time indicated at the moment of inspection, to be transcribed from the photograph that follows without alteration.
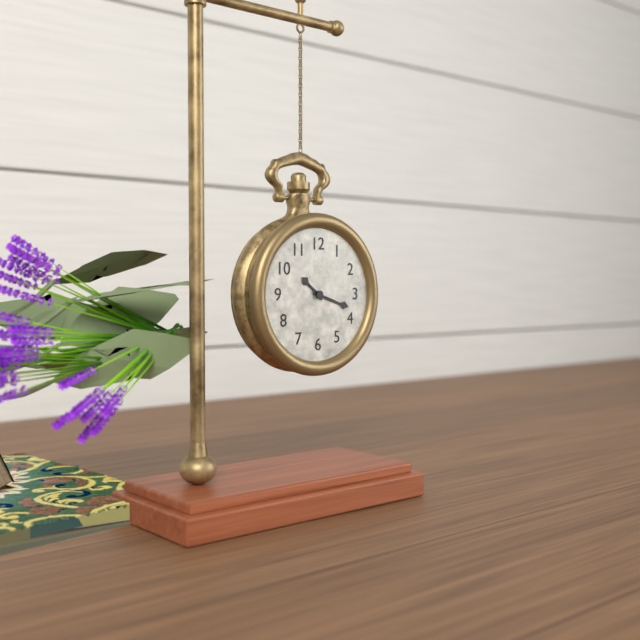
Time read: 10:18
